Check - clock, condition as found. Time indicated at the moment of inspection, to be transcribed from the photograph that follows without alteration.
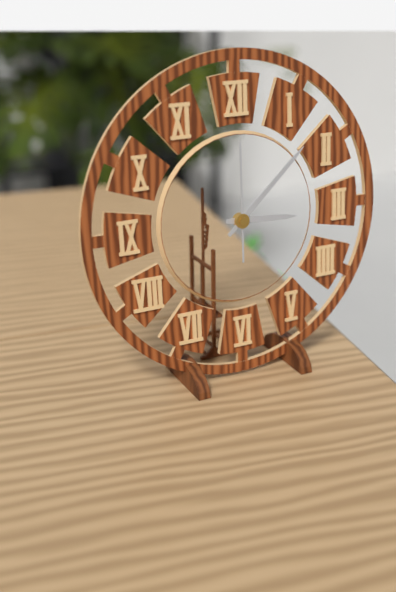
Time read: 3:08:00
